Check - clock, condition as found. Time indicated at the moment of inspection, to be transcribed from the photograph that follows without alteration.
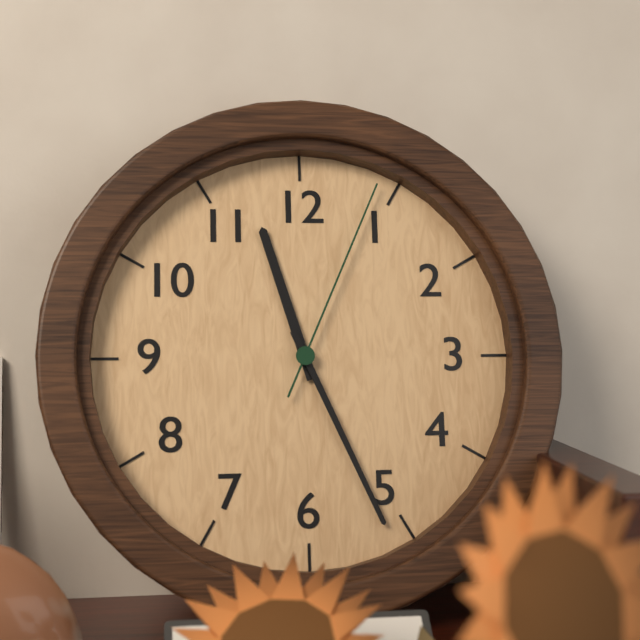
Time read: 11:26:04
